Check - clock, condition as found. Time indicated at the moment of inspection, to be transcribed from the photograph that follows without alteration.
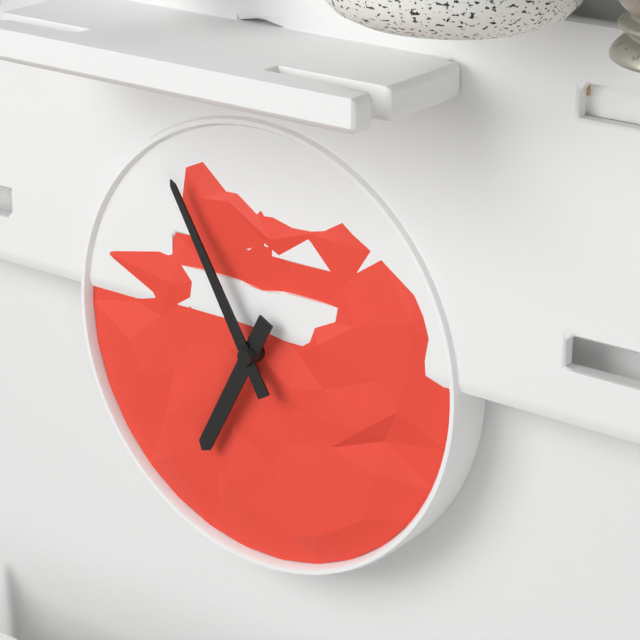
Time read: 6:55
